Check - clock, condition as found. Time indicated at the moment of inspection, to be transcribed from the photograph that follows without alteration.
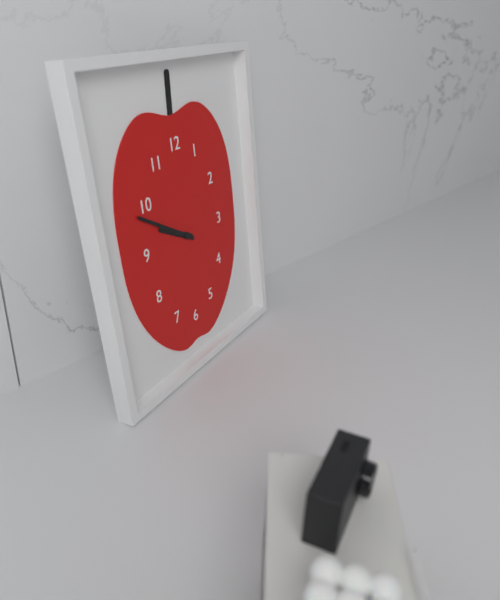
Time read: 9:50
